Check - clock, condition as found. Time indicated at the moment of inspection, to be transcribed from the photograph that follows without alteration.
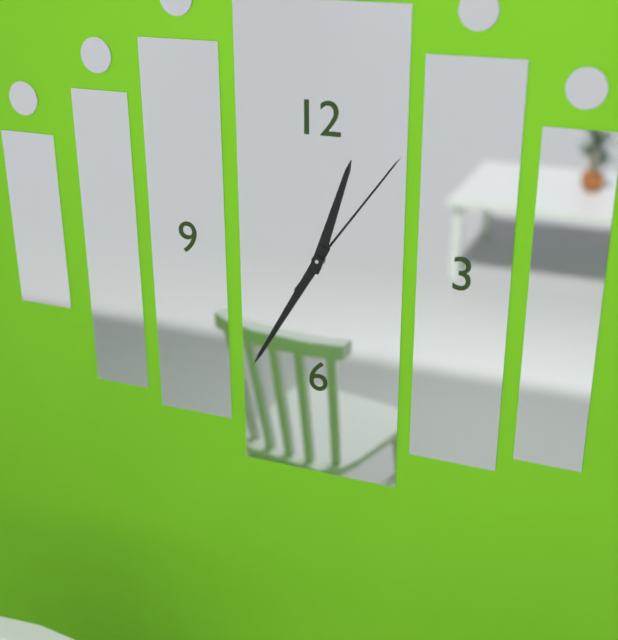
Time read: 12:35:06
